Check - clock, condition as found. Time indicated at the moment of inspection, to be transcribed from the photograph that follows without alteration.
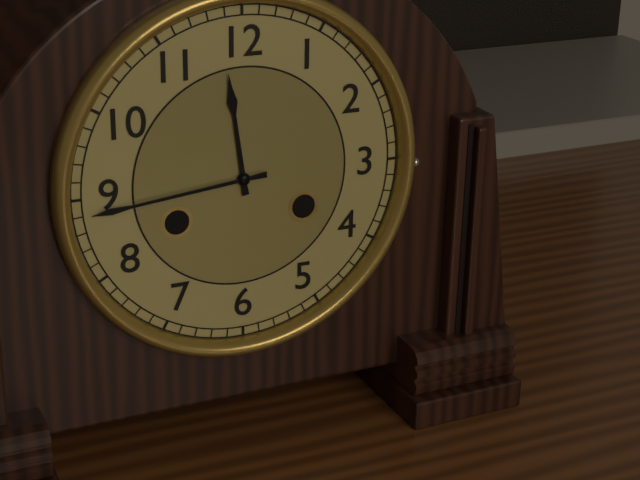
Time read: 11:44
